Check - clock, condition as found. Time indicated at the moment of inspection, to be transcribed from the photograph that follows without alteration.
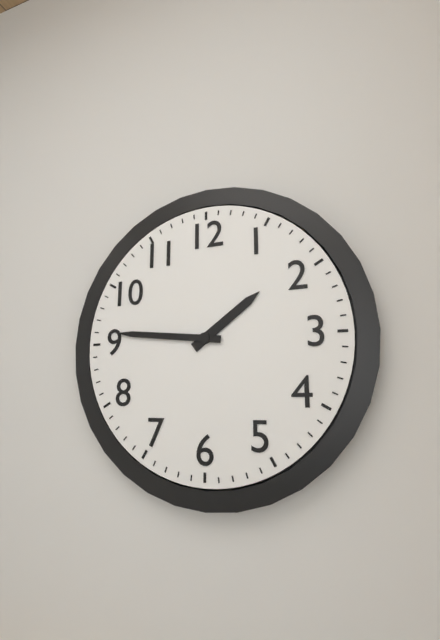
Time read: 1:46
